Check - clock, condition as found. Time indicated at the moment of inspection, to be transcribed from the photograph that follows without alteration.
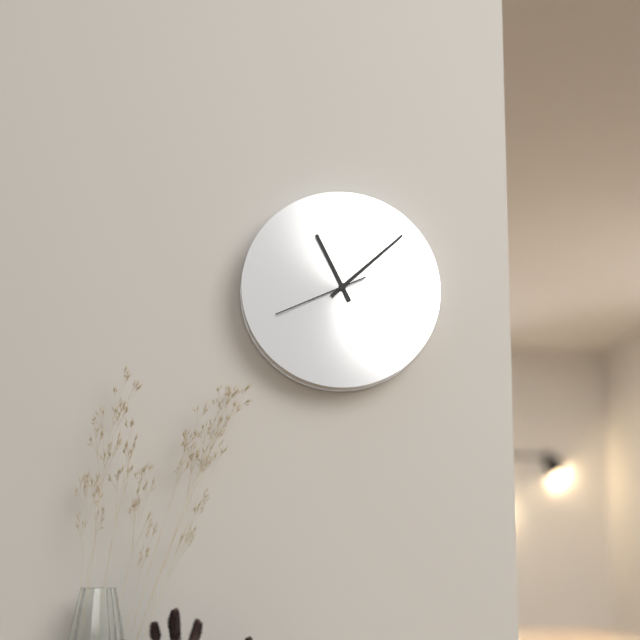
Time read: 11:08:41
